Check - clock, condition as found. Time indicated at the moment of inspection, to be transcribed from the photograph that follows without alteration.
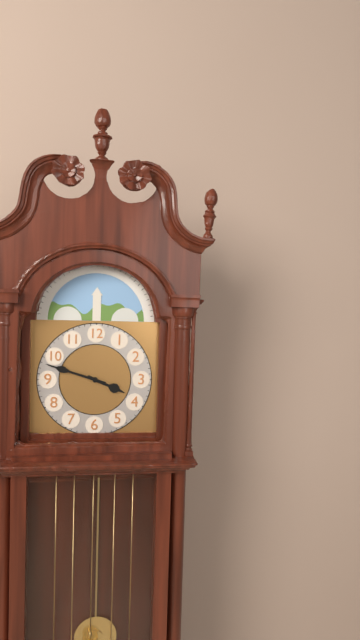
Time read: 3:48
